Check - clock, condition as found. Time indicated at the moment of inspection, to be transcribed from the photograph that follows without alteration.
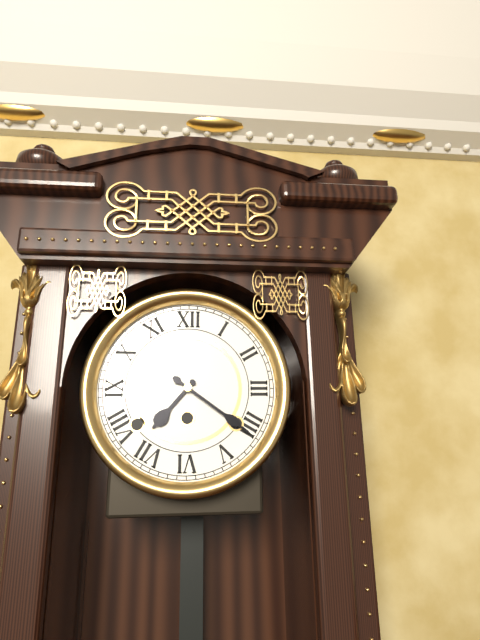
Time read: 7:21
